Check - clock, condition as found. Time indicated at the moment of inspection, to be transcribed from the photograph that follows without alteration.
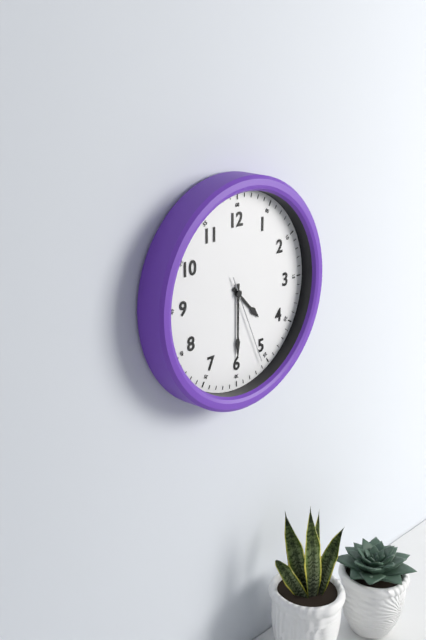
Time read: 4:30:26
